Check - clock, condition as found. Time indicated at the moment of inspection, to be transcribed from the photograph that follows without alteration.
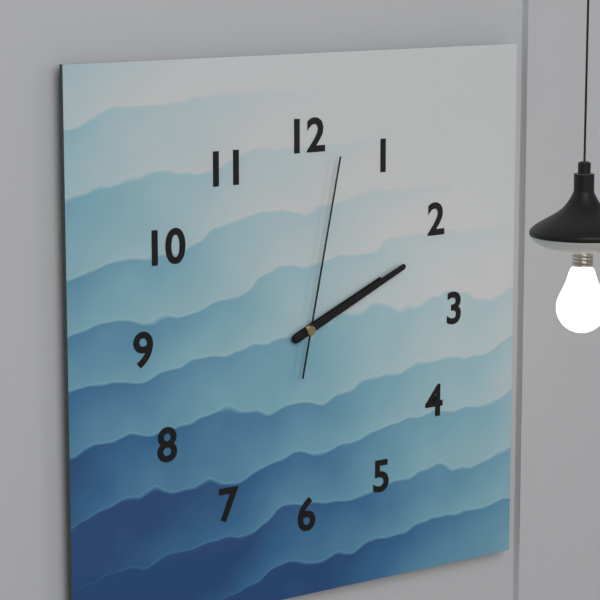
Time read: 2:11:02
